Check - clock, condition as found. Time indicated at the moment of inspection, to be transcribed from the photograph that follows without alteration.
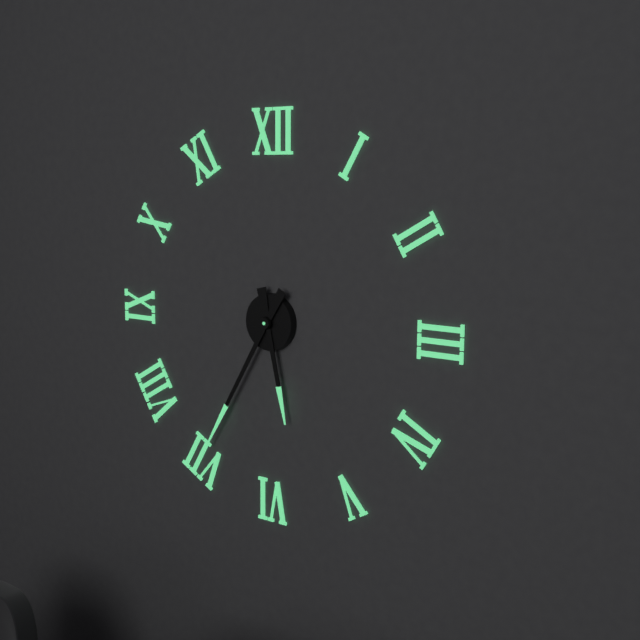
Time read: 5:35
